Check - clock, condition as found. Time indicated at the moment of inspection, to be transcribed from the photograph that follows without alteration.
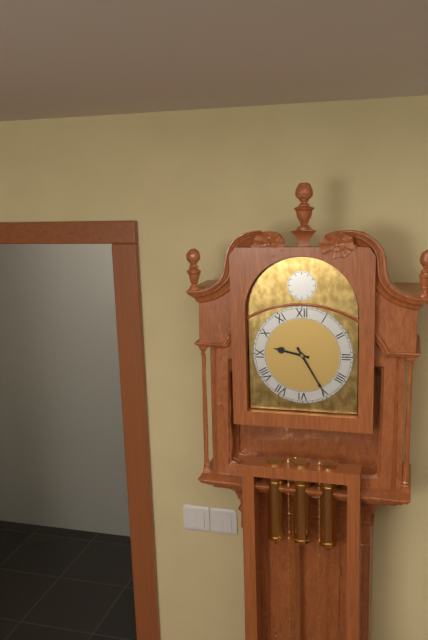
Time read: 9:25
